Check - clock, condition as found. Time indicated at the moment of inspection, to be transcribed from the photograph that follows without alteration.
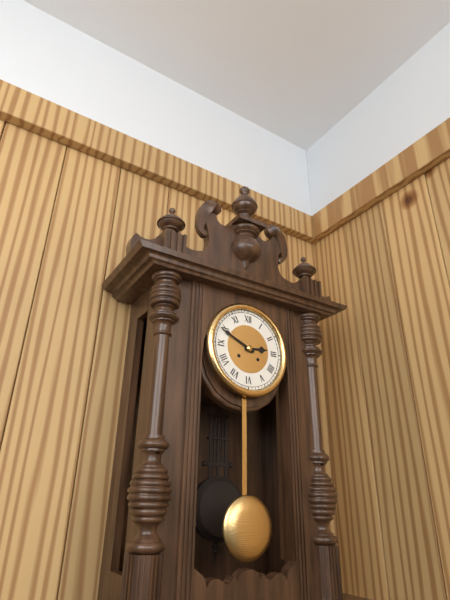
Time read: 2:49
